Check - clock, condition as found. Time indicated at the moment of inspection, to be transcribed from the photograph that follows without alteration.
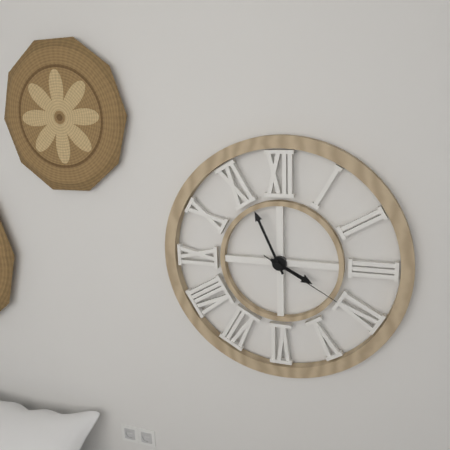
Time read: 3:56:20
